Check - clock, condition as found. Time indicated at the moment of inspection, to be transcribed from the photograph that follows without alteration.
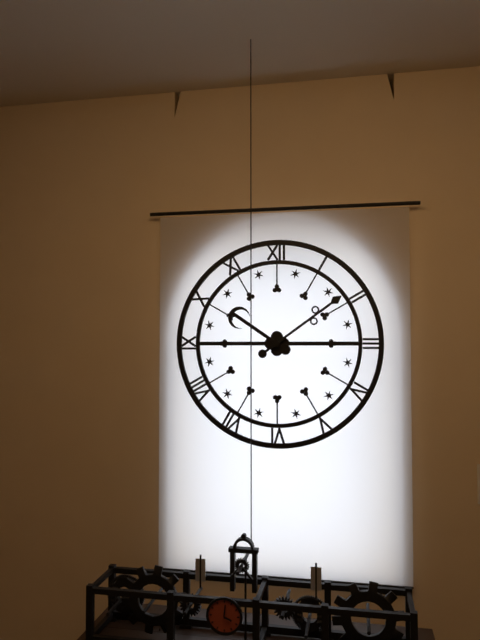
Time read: 10:09
